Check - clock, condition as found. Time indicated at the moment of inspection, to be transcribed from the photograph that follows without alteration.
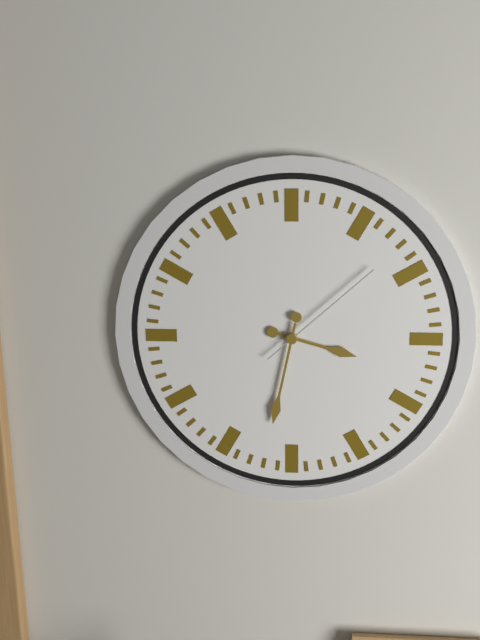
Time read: 3:32:08
